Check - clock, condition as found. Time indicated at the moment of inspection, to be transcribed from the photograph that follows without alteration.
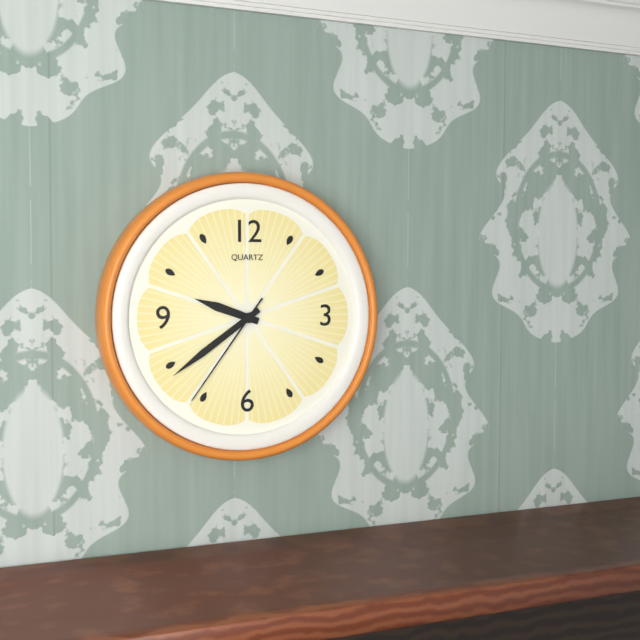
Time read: 9:39:36
